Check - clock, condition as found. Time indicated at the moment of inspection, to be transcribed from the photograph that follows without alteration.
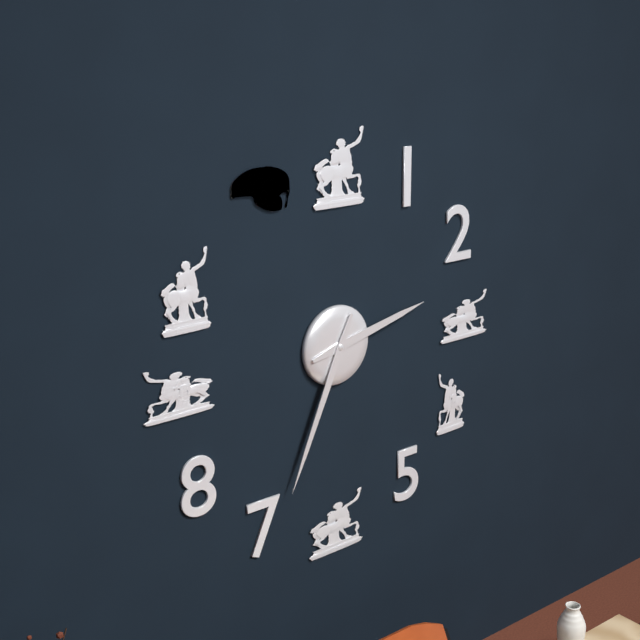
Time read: 2:34
